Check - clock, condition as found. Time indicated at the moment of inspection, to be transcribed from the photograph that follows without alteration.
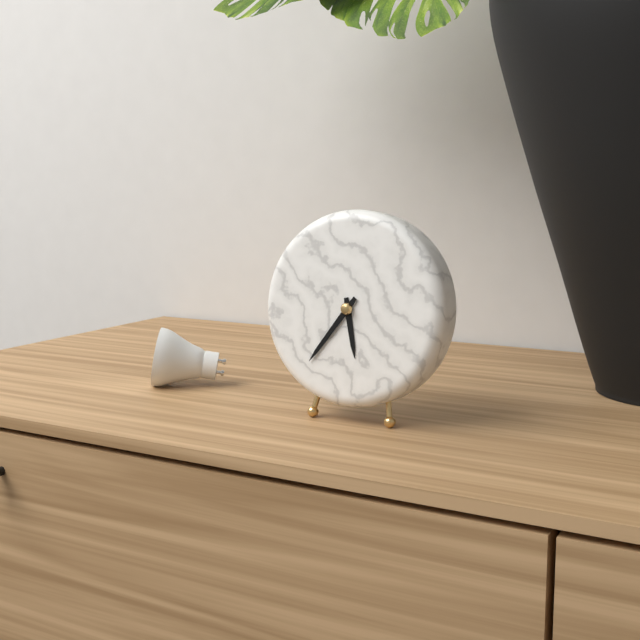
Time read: 5:36
